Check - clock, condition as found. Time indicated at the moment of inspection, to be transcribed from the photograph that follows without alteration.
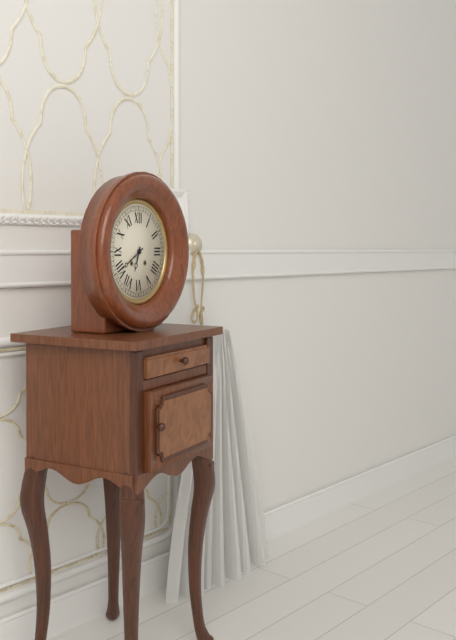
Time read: 6:40
